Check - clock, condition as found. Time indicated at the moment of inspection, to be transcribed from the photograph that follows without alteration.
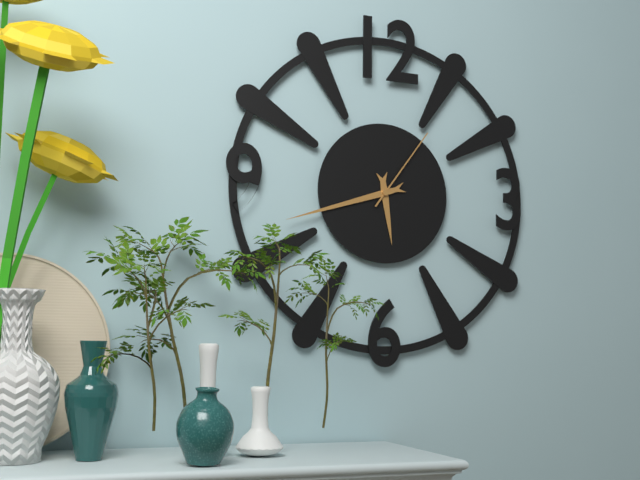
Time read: 5:42:06
